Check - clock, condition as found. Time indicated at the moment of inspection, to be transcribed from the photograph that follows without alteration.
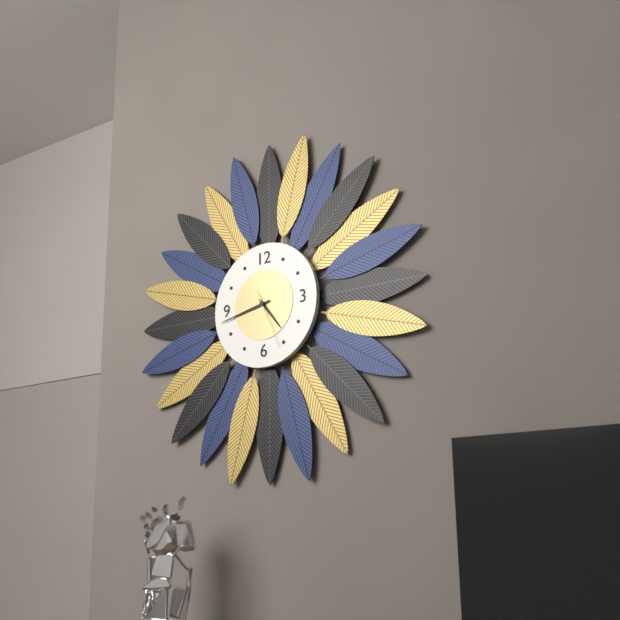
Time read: 4:43:26
